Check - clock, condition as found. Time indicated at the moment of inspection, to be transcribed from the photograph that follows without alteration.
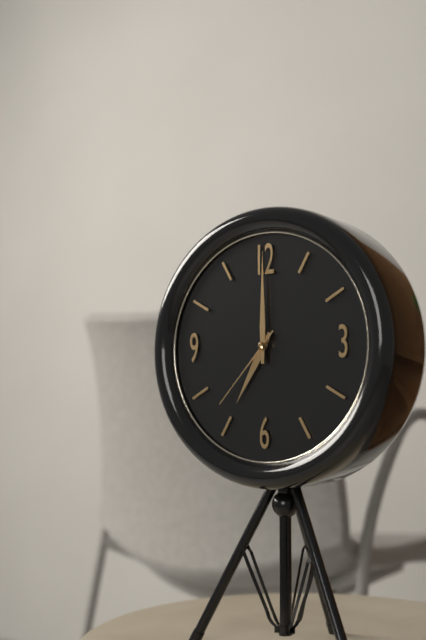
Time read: 7:00:37
